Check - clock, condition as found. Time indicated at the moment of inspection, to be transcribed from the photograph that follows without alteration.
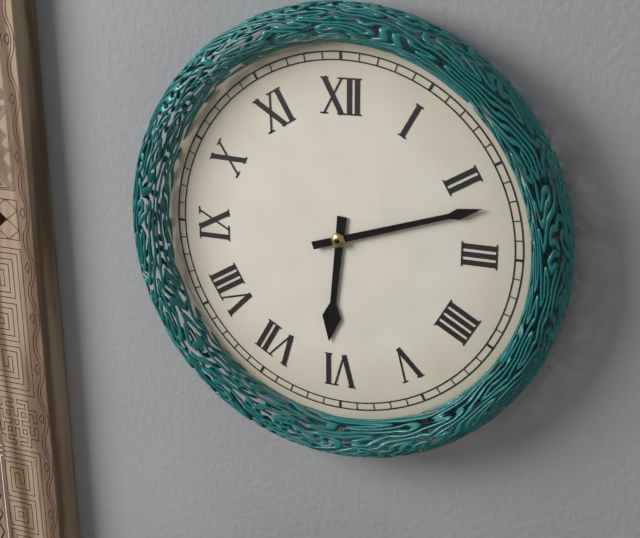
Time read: 6:12
